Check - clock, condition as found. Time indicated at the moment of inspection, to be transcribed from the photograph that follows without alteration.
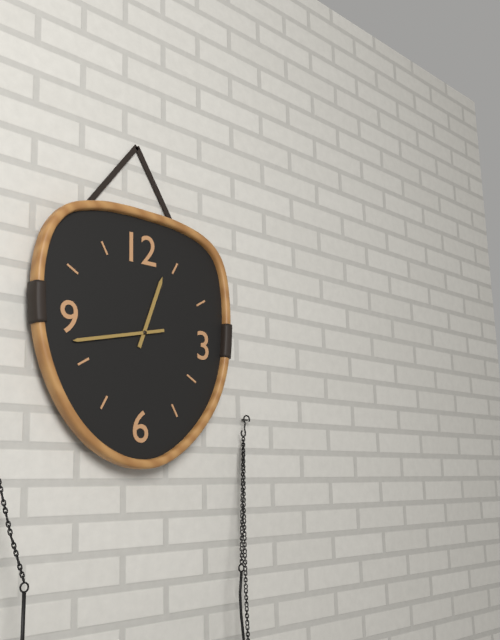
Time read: 12:43
